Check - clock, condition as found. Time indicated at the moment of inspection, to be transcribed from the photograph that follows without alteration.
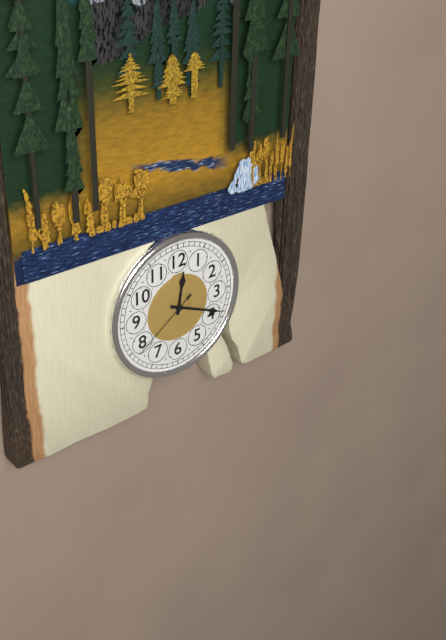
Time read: 12:19:39
